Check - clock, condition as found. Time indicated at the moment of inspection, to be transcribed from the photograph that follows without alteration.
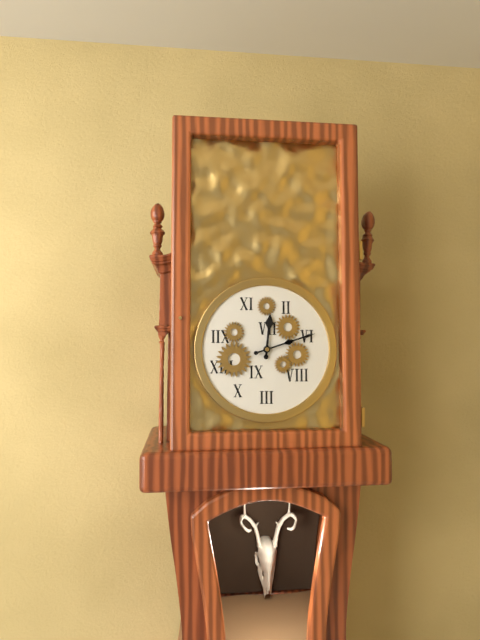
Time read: 12:12
